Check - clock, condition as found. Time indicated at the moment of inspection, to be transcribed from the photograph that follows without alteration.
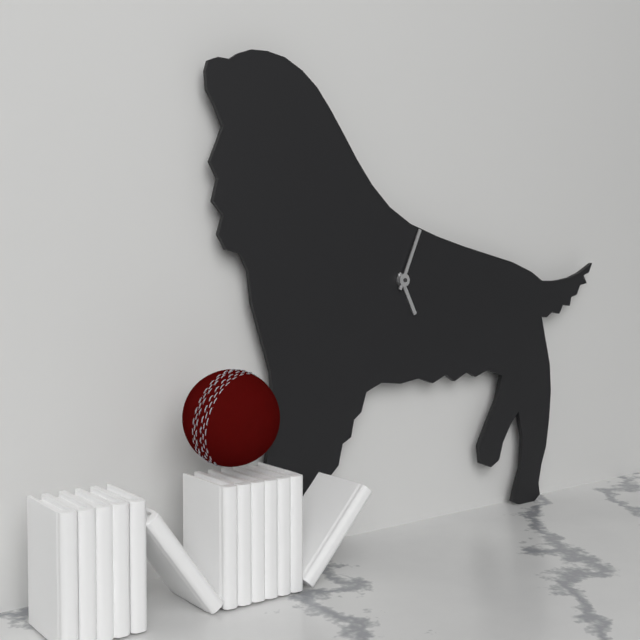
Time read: 5:04
